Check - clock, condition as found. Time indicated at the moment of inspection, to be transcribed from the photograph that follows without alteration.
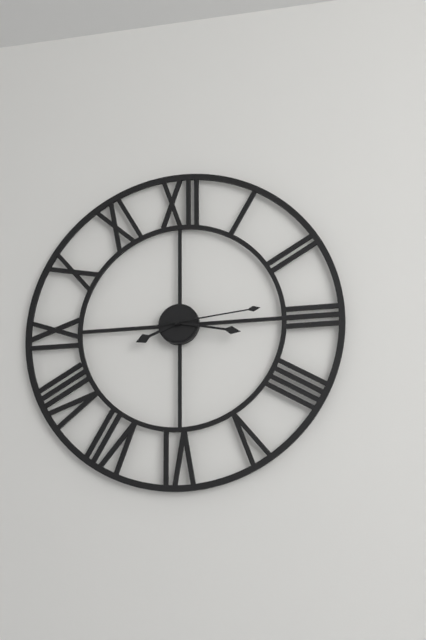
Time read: 8:17:14
